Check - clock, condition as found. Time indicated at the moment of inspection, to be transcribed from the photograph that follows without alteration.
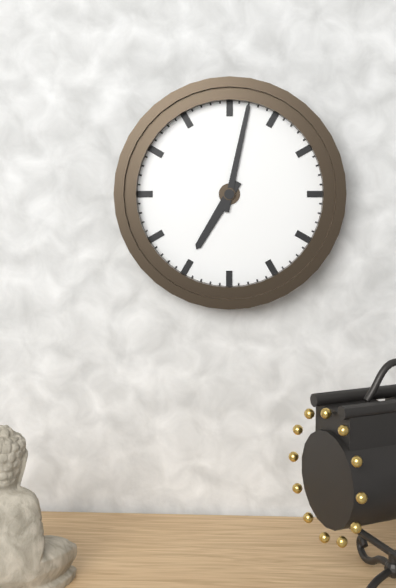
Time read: 7:02
